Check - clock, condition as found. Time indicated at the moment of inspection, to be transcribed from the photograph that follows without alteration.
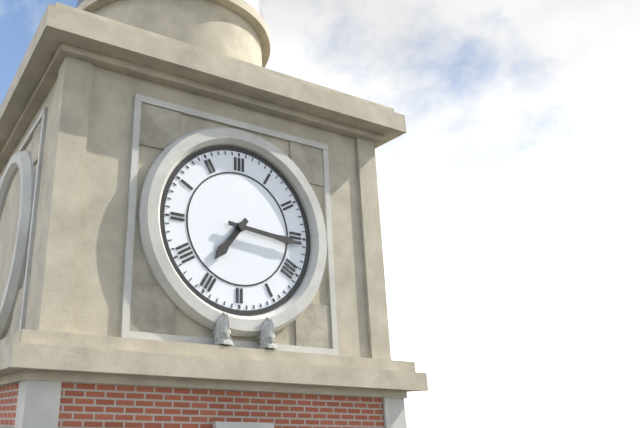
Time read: 7:16
